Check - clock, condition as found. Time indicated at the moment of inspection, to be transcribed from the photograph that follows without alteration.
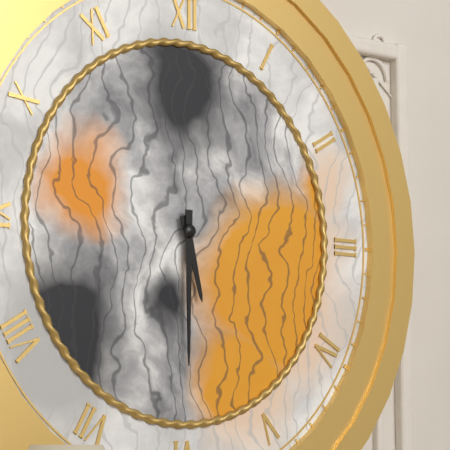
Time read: 5:30
